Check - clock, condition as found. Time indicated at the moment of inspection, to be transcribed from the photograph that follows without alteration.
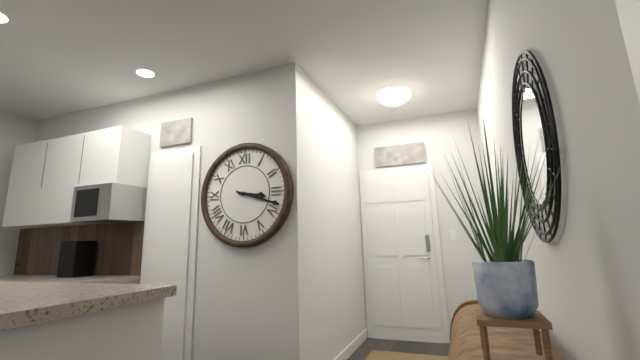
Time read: 3:18
